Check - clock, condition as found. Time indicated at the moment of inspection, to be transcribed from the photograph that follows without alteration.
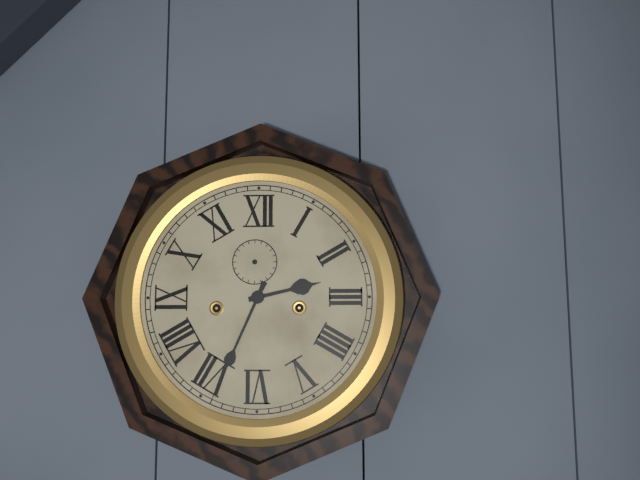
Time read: 2:34
